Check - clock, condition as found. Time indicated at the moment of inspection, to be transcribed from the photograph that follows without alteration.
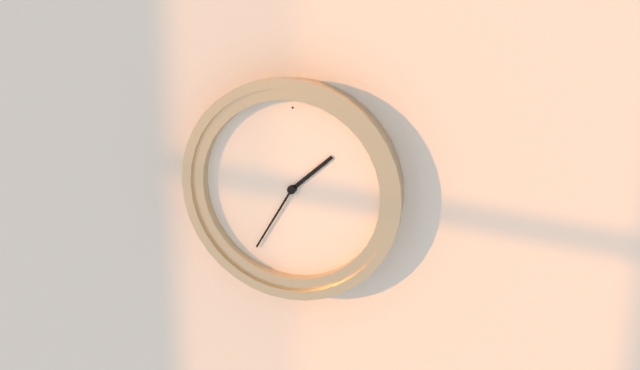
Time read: 1:35
